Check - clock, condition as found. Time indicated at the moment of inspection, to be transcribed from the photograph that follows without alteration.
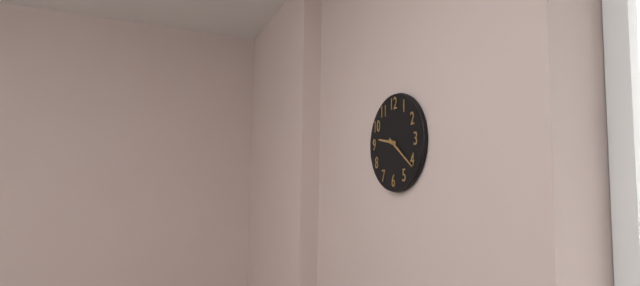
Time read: 9:21
